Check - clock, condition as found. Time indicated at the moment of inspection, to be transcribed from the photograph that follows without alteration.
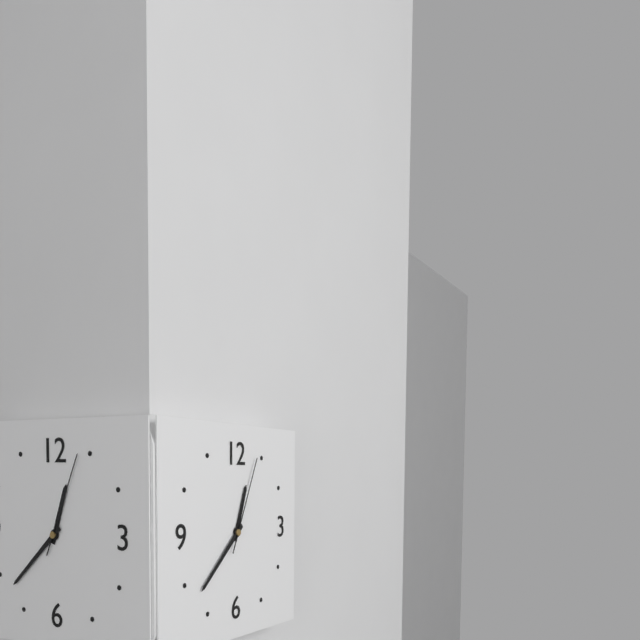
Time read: 12:38:04
